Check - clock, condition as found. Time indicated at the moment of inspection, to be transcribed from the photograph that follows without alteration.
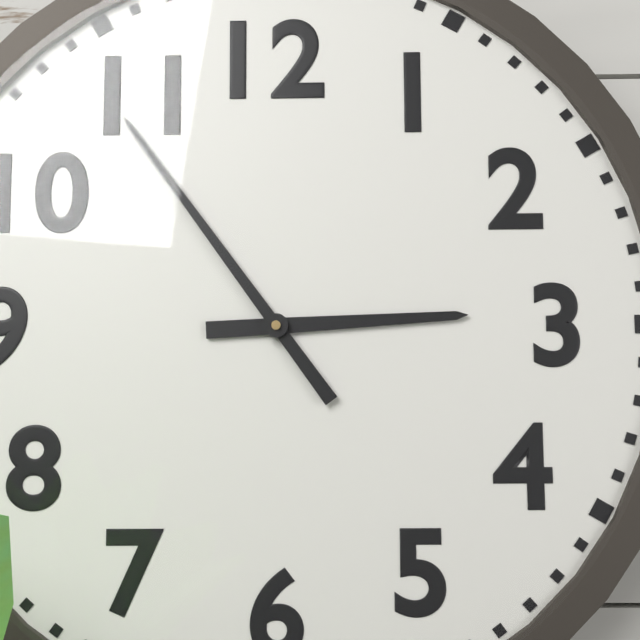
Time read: 2:54
